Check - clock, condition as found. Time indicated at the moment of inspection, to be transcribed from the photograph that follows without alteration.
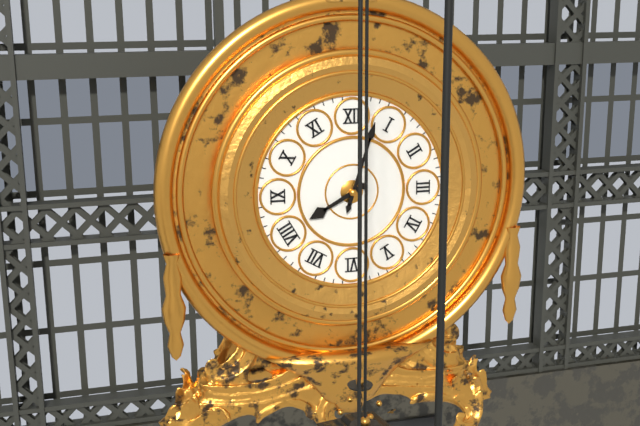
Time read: 8:03
